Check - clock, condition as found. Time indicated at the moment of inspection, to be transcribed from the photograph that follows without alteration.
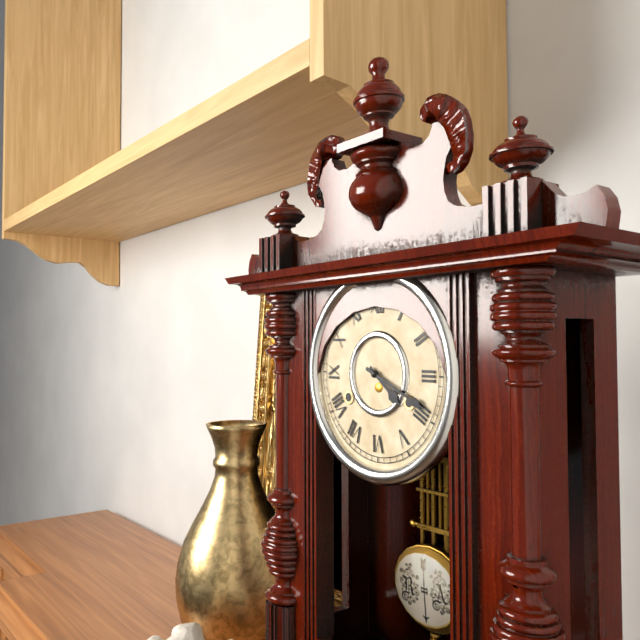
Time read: 4:19
